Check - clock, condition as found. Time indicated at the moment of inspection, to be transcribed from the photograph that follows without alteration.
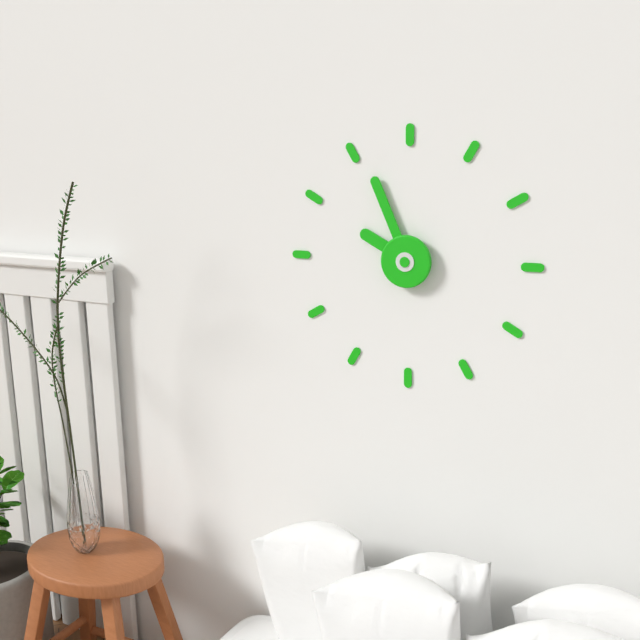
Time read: 9:56
